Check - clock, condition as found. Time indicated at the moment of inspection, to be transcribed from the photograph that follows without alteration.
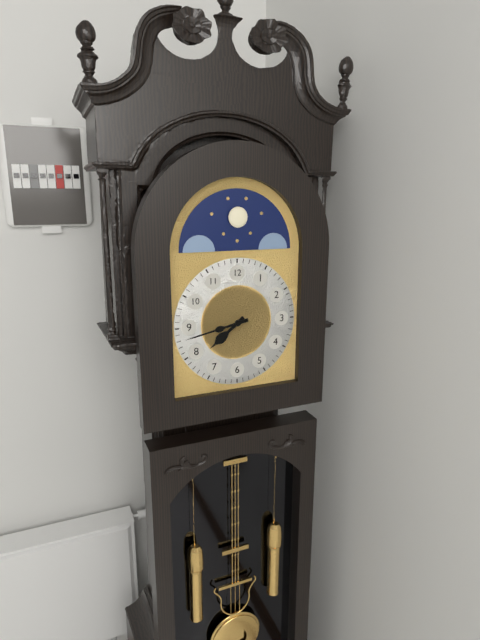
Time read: 7:43
